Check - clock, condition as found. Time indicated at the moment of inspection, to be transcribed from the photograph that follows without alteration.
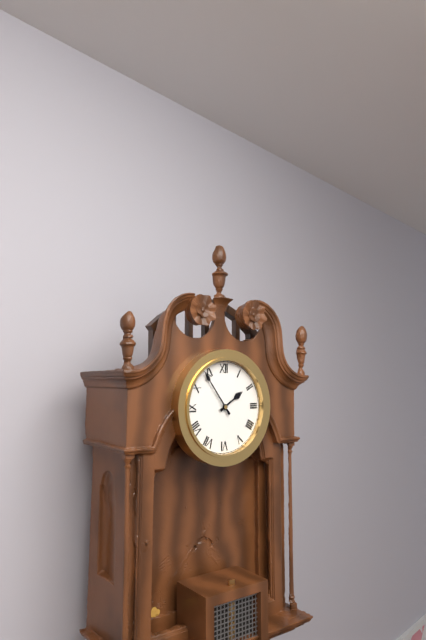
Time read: 1:54
